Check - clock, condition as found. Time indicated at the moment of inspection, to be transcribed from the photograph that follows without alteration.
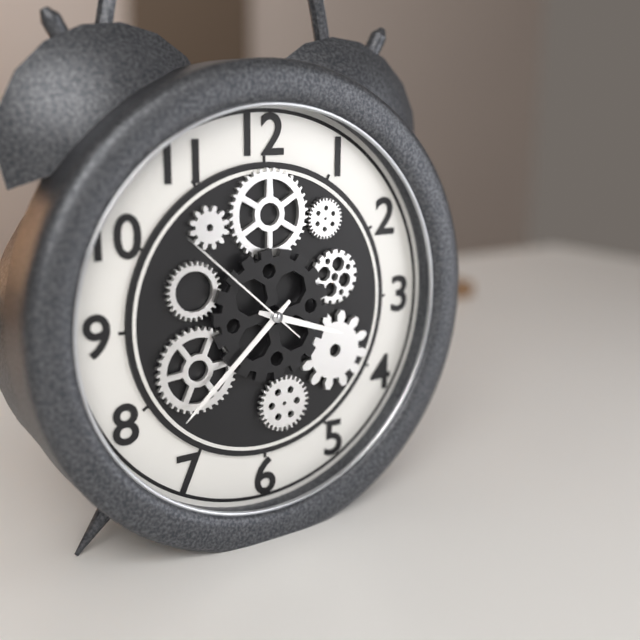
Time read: 3:38:52
